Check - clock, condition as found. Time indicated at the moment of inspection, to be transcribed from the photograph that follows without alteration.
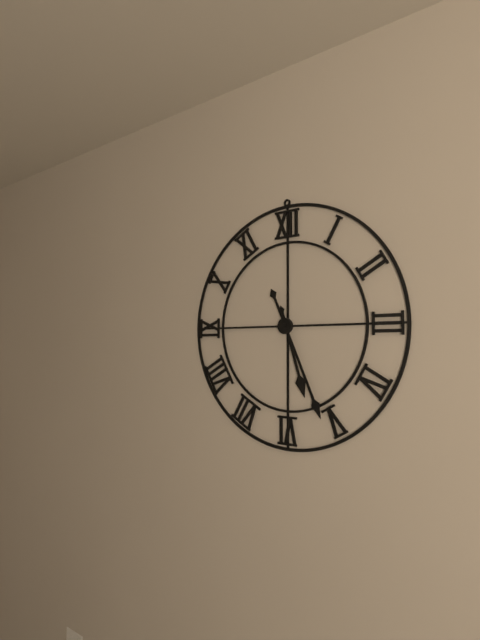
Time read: 5:26
